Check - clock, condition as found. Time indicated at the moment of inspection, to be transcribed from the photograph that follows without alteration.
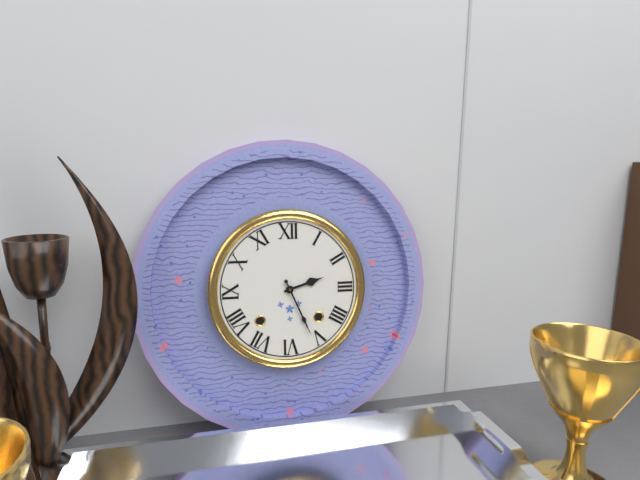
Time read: 2:26
